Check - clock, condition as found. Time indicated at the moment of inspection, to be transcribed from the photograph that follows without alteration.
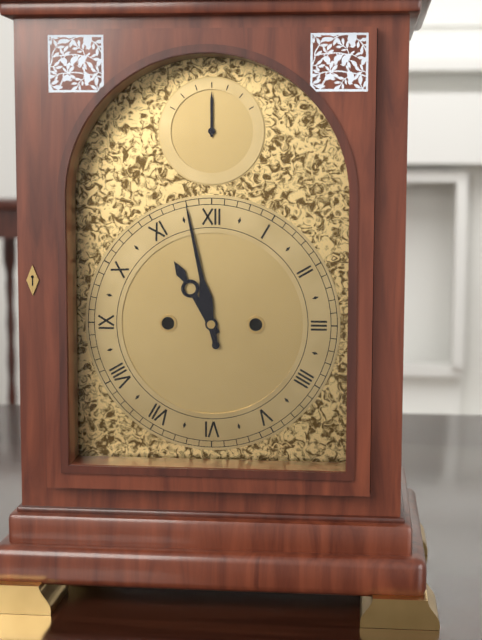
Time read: 10:58
